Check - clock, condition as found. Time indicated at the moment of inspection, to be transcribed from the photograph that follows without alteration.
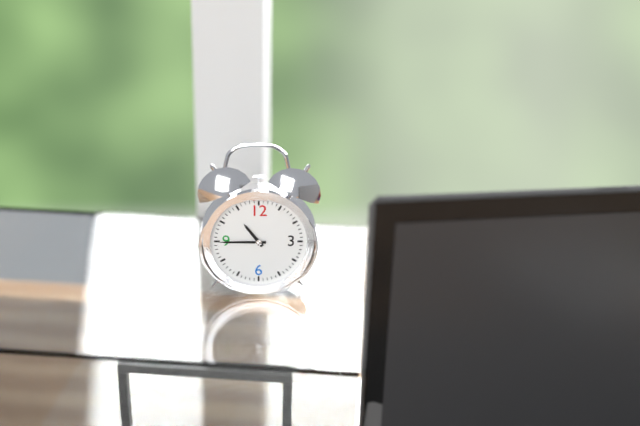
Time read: 10:45
